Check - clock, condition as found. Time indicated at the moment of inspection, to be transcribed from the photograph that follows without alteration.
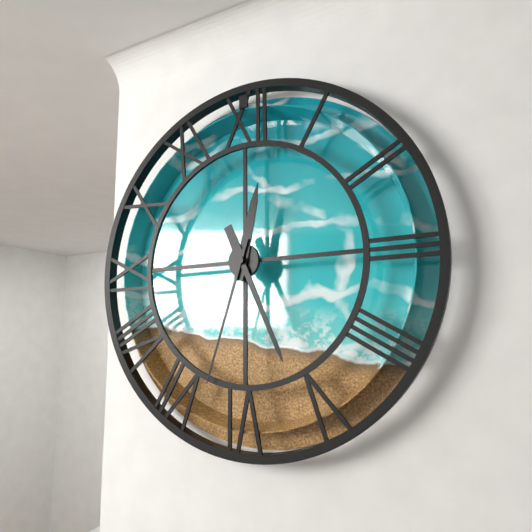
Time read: 12:26:33
